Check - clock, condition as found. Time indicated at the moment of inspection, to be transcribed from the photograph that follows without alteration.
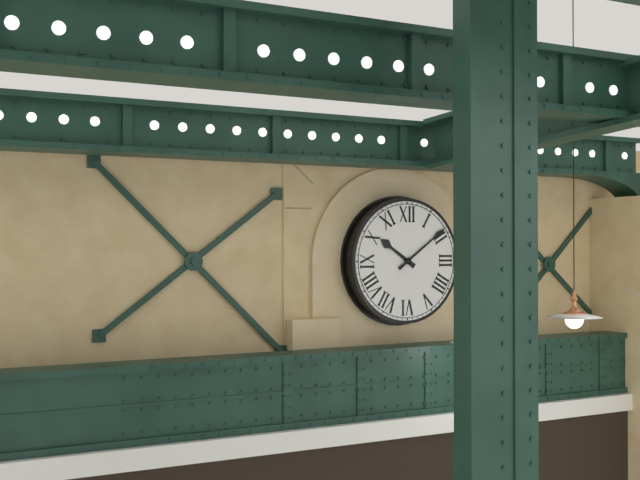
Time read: 10:09
